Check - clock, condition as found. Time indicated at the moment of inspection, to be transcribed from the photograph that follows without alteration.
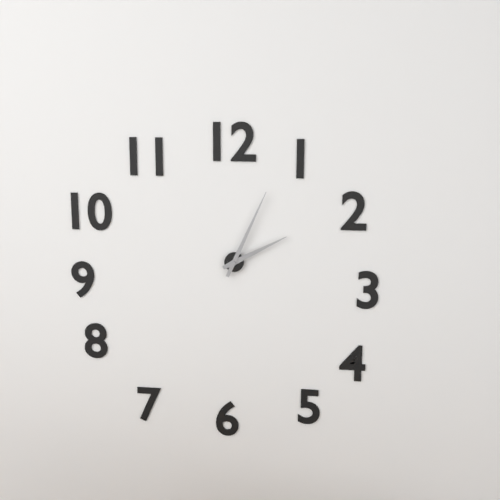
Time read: 2:04
